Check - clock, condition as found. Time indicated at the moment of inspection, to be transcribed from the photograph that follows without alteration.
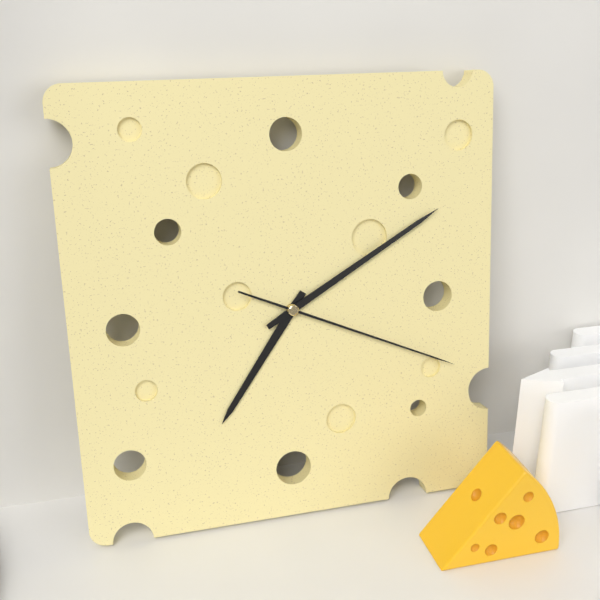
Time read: 7:10:19
